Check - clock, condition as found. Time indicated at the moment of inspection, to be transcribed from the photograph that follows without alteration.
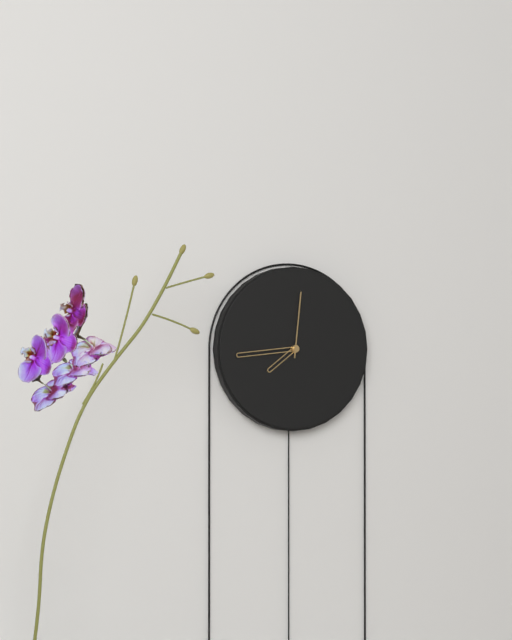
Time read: 7:44:01
